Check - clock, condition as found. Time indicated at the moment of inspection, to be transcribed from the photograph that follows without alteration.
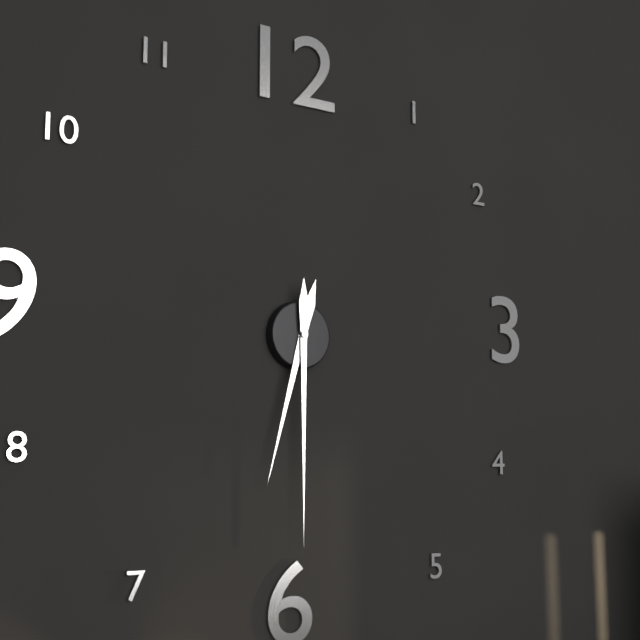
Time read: 6:30
